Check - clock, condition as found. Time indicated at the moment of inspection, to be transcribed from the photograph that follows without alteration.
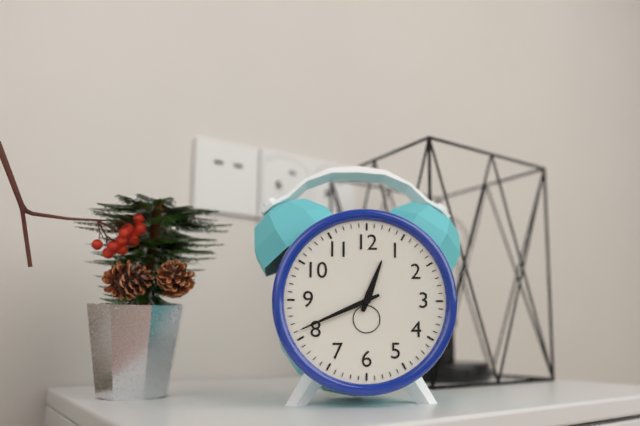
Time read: 12:41
